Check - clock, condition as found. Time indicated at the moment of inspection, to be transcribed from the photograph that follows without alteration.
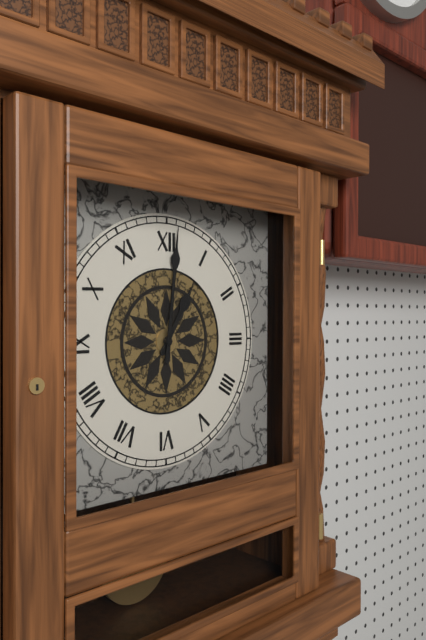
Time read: 1:01
